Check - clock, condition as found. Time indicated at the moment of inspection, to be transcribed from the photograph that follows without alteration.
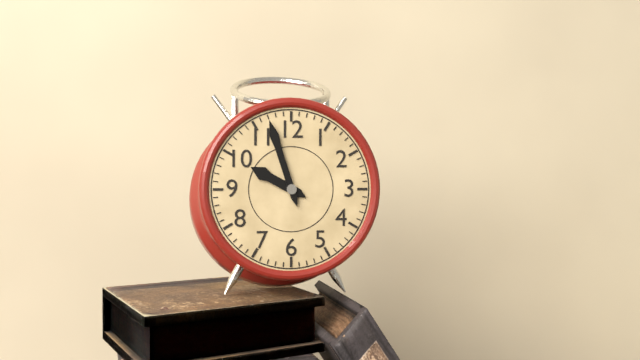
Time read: 9:57
